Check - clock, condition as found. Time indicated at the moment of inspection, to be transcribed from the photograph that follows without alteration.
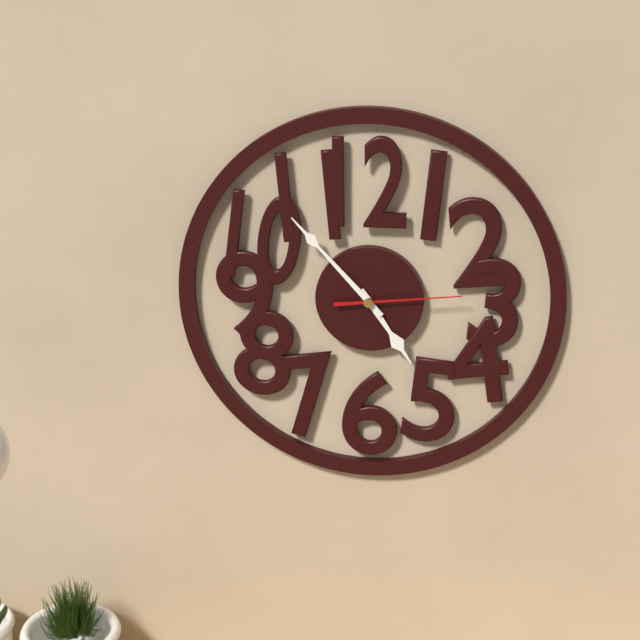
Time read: 4:53:14
